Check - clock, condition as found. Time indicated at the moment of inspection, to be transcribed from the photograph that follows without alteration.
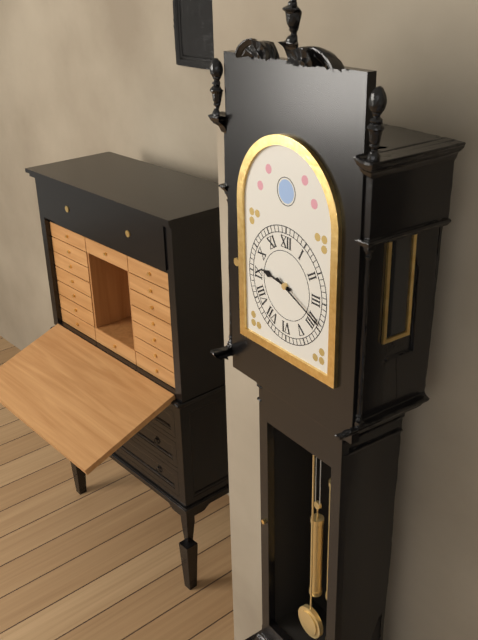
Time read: 9:19
